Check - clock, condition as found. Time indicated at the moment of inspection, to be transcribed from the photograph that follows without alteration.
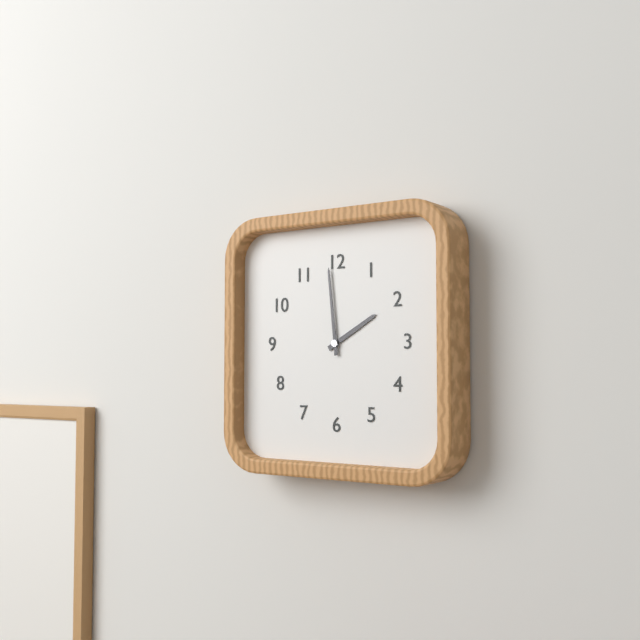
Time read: 1:59
